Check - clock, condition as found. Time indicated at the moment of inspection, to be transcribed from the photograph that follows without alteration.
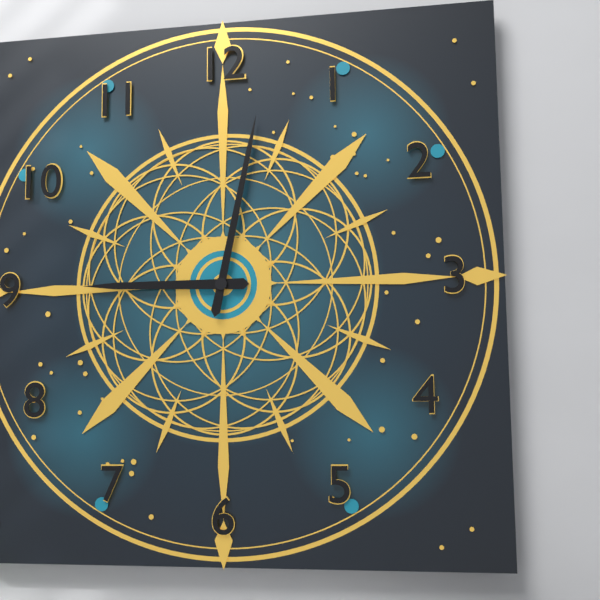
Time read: 9:02
